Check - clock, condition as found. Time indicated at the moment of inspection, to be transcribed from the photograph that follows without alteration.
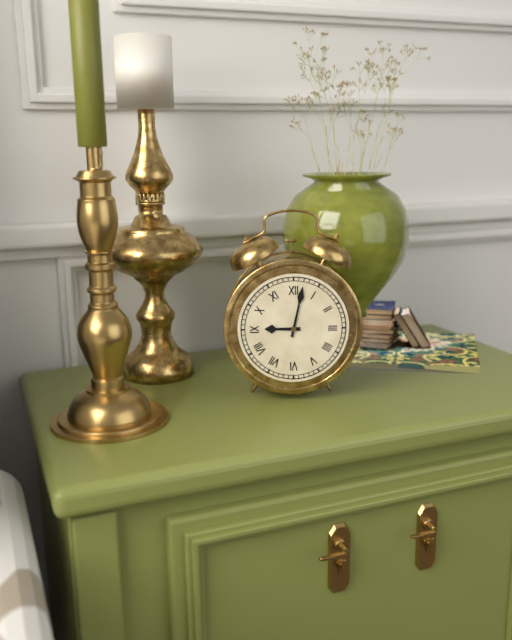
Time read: 9:02
